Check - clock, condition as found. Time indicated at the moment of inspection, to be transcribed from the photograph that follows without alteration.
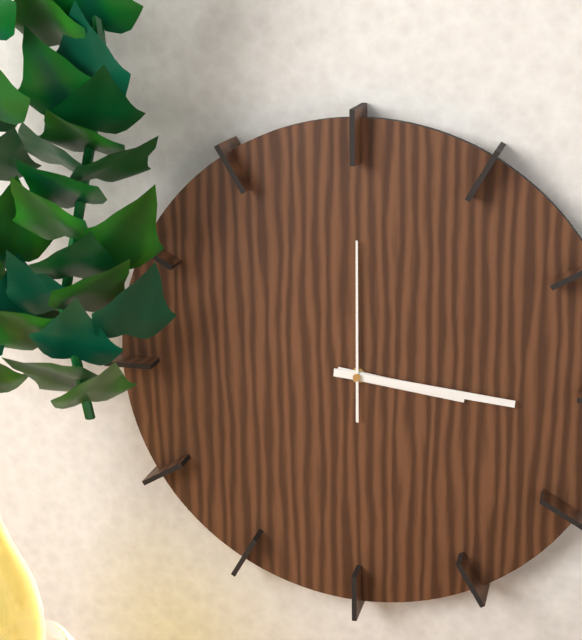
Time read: 3:16:00
